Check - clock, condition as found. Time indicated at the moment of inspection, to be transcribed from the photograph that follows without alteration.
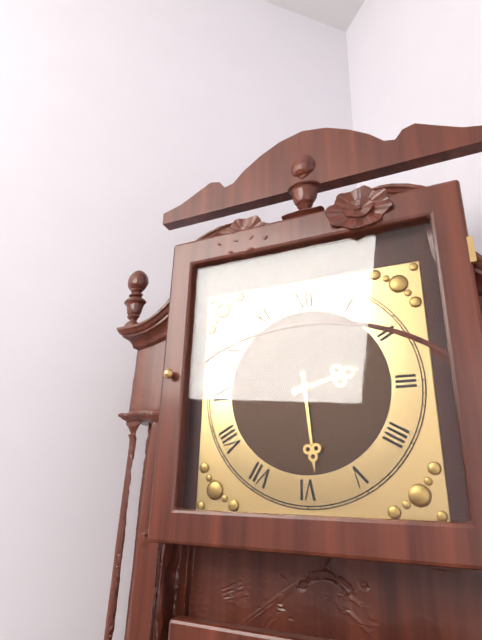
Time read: 2:29
